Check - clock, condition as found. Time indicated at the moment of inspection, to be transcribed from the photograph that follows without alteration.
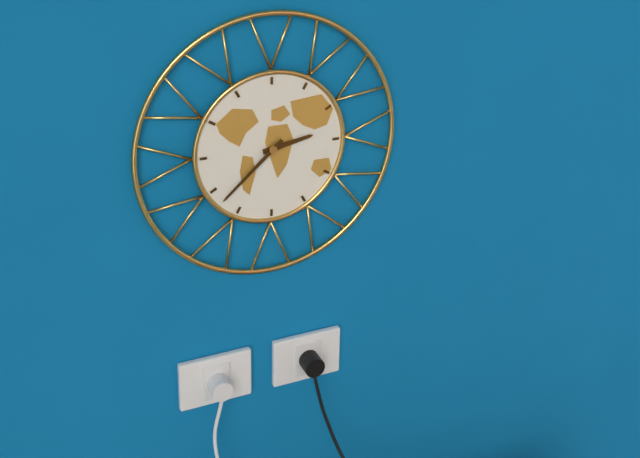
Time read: 2:38
